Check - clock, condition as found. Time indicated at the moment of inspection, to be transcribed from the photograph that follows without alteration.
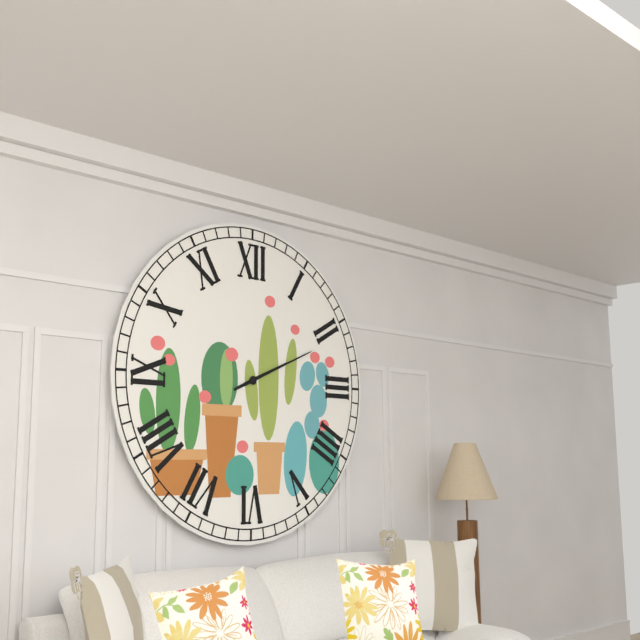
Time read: 2:11
